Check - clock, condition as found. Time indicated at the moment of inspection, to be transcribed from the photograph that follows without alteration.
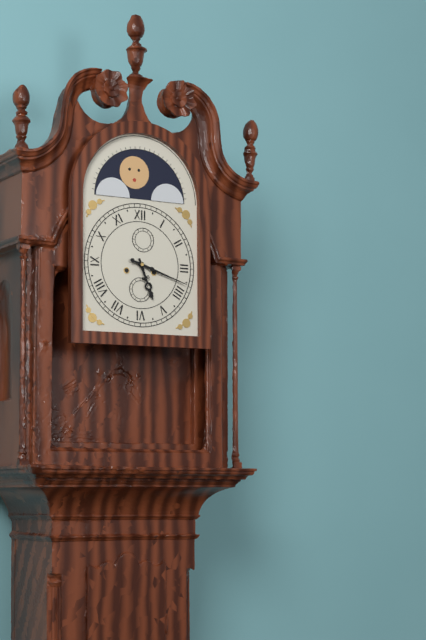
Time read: 5:18
